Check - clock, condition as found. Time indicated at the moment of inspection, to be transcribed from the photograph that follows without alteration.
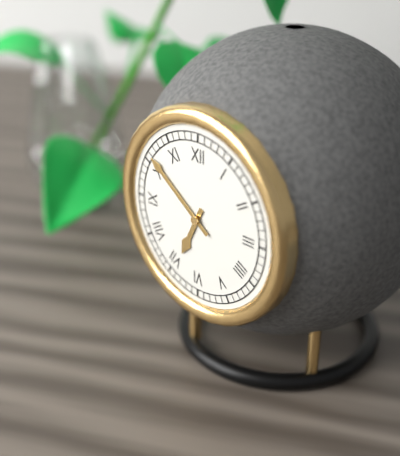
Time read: 6:51
